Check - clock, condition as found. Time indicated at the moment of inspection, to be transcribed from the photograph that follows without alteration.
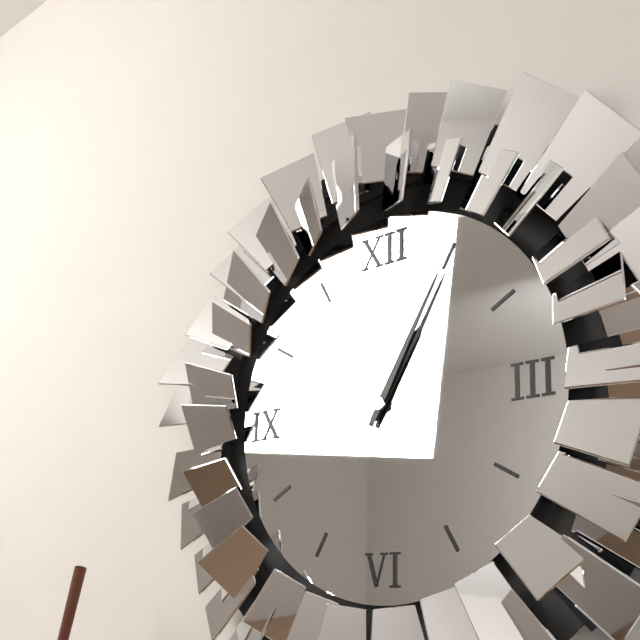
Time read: 1:05
